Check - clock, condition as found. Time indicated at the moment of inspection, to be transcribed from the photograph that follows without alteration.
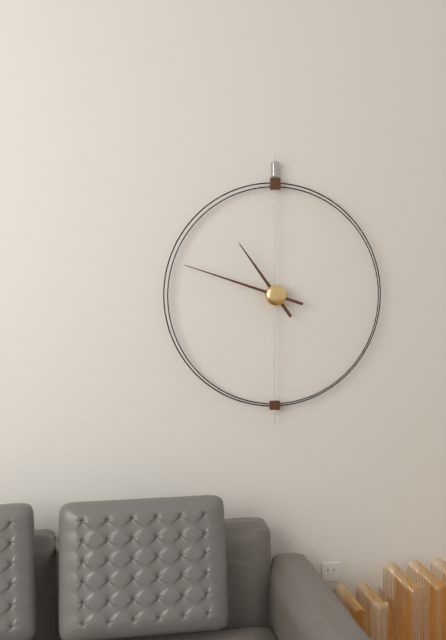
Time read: 10:48
